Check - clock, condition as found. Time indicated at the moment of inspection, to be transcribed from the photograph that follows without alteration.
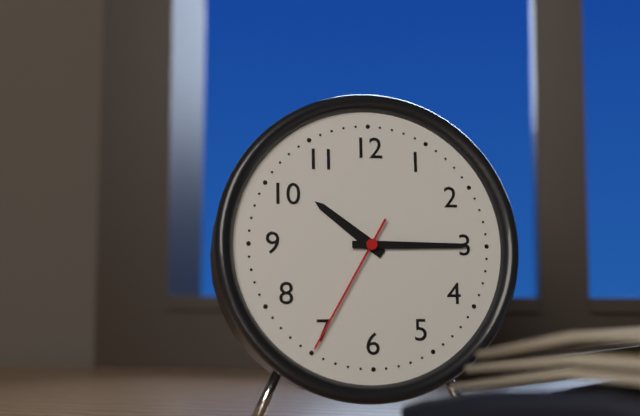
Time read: 10:15:35
